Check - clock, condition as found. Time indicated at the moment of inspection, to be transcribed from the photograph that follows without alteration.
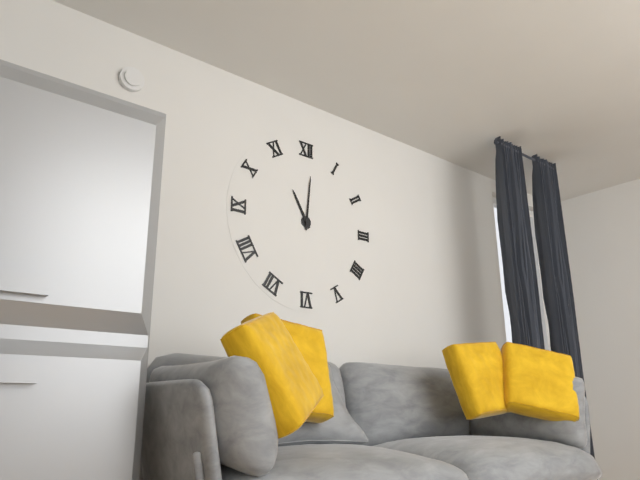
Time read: 11:01
